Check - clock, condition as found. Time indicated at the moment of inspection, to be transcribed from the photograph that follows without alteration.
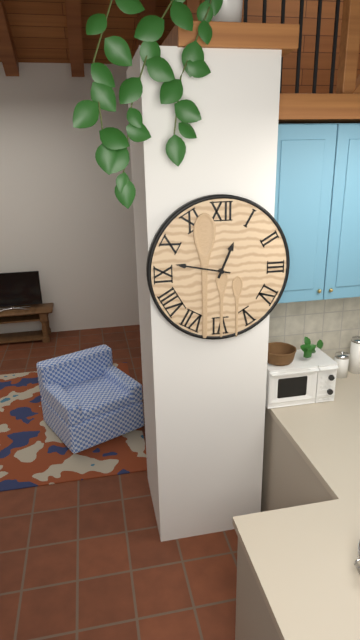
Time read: 12:47
